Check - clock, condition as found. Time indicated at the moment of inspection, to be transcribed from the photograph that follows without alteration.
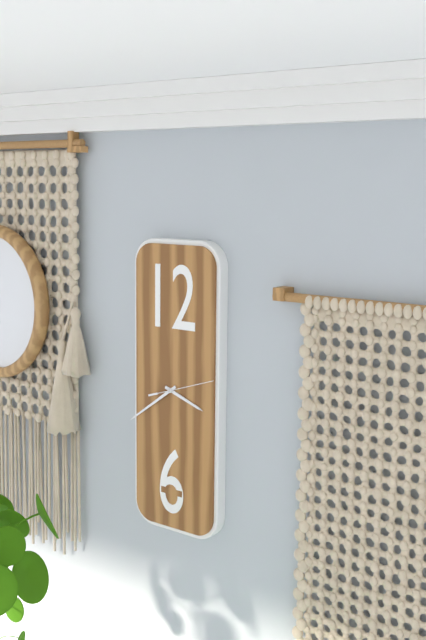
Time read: 3:39:12
